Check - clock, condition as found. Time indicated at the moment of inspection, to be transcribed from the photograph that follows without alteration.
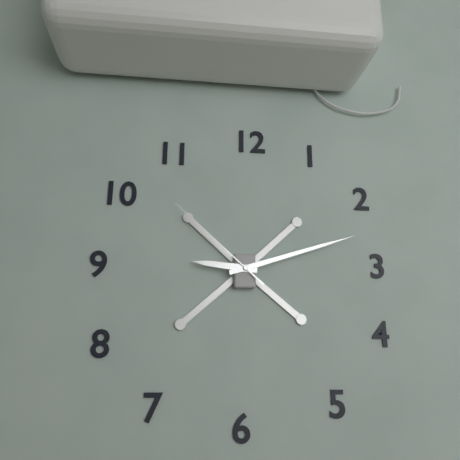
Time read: 9:12:52
